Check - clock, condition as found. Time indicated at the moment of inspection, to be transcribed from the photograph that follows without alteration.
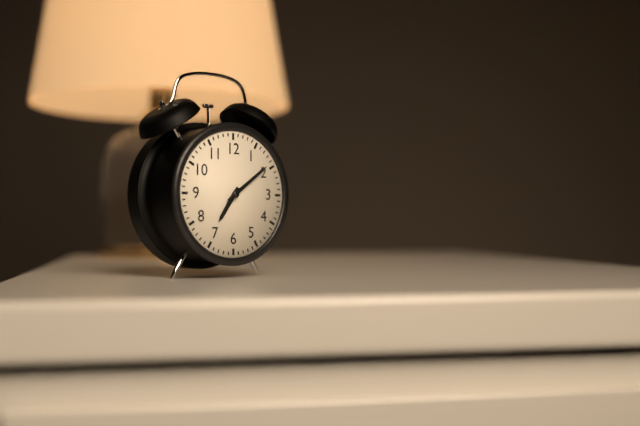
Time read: 7:09
